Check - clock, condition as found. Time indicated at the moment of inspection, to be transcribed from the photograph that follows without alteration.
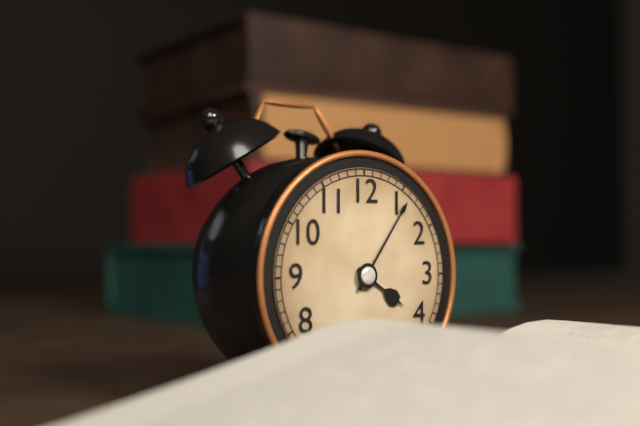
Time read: 4:06
